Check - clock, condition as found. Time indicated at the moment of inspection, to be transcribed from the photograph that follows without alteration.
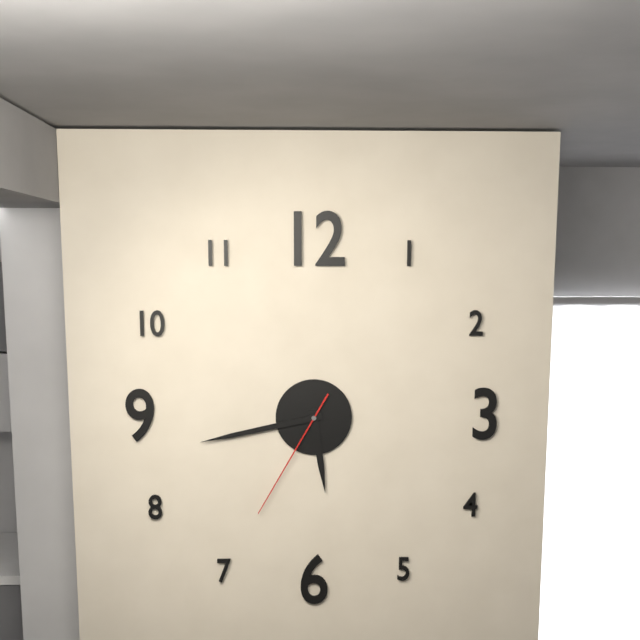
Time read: 5:43:35
